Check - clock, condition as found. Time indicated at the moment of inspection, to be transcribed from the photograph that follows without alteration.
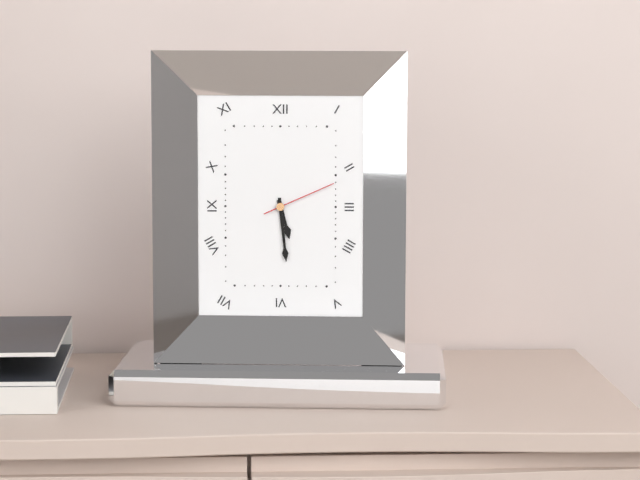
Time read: 5:29:11
